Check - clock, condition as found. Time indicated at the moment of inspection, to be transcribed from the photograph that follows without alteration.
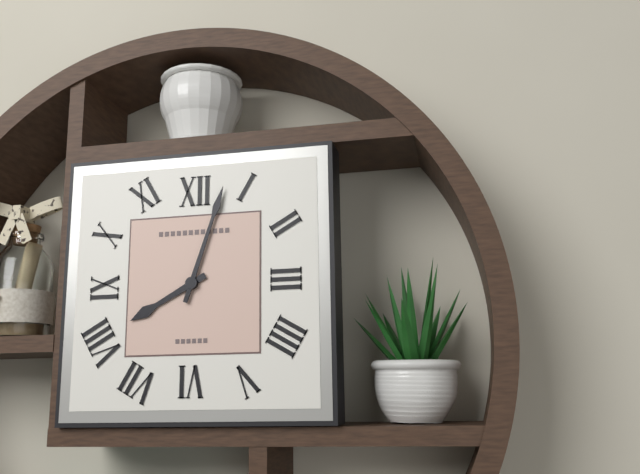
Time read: 8:03
